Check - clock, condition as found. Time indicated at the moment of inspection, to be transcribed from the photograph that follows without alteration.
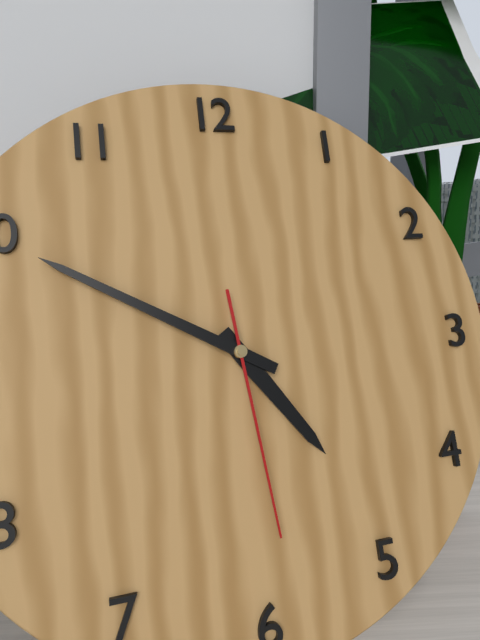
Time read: 4:50:29
